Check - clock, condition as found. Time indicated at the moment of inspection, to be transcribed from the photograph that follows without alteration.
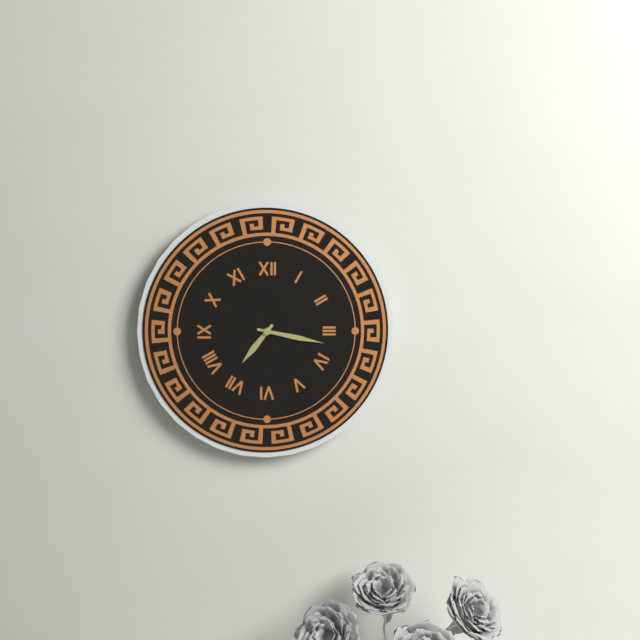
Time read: 7:17
